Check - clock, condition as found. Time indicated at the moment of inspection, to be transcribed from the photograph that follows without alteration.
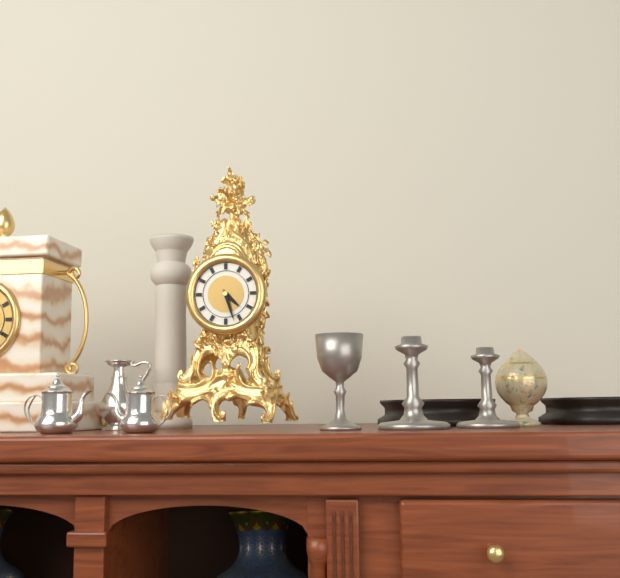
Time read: 4:27
